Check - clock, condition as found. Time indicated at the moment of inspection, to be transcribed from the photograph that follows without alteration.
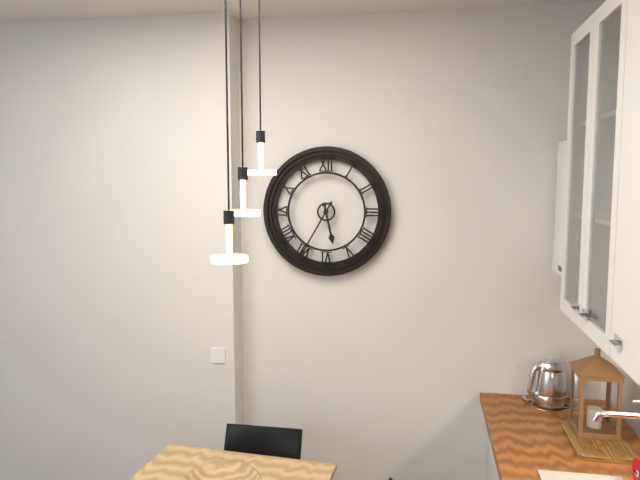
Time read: 5:35
